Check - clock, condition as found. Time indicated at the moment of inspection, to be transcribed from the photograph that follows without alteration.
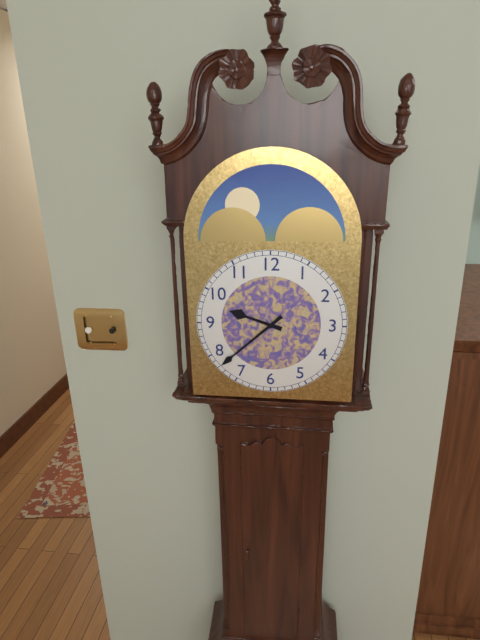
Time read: 9:38
